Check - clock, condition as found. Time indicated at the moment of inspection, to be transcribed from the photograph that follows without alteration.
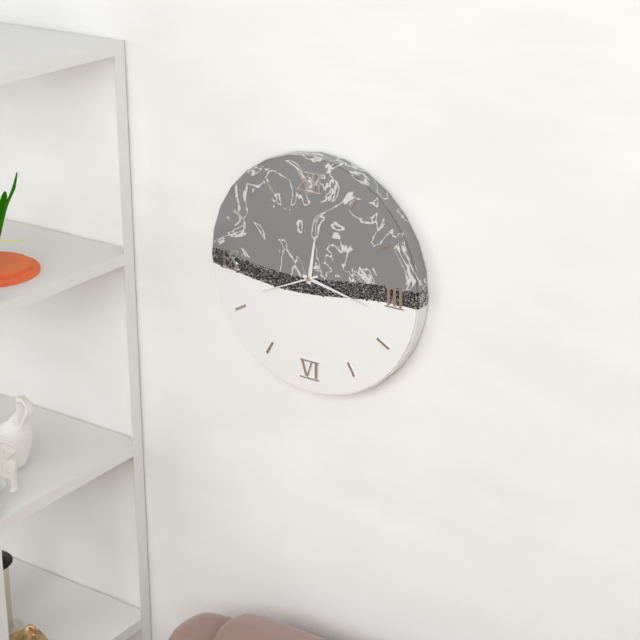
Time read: 12:17:41
